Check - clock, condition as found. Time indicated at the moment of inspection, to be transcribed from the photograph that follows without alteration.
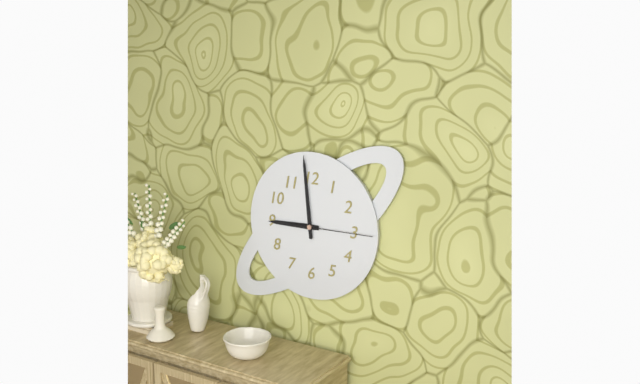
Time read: 8:59:15
